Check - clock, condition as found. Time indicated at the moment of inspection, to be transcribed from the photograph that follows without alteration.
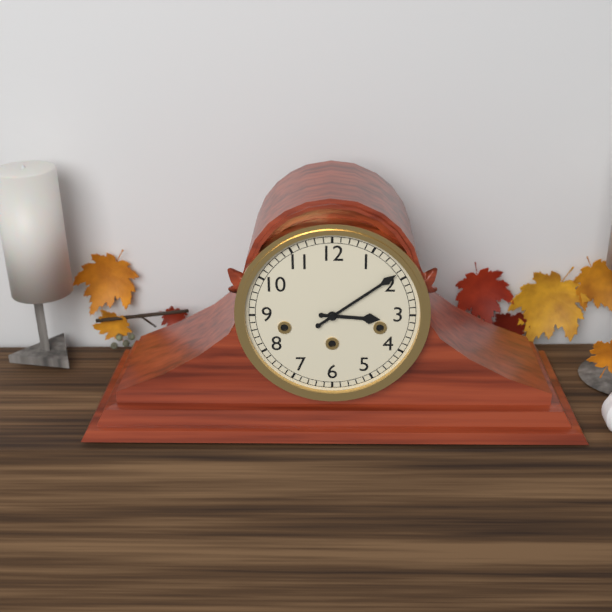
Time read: 3:09
